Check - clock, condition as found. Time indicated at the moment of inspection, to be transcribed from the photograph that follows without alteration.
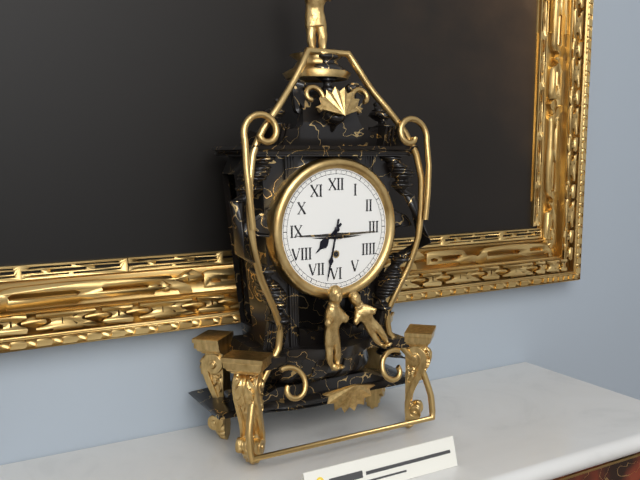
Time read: 7:32
